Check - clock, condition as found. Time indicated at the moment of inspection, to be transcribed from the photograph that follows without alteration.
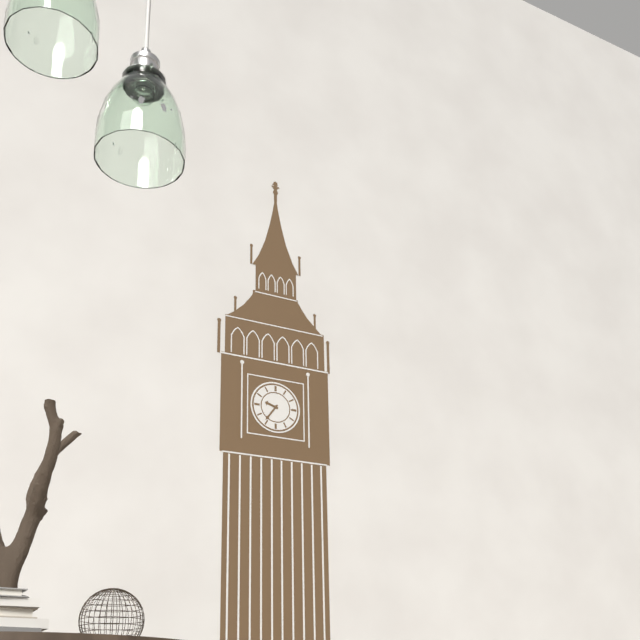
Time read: 9:36
